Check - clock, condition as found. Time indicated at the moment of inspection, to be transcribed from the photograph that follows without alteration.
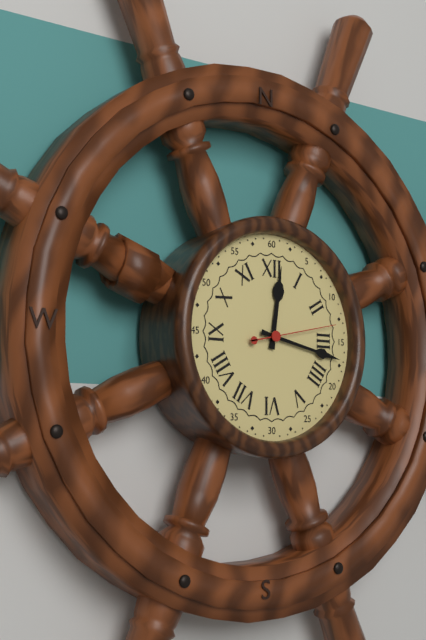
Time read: 12:17:13
